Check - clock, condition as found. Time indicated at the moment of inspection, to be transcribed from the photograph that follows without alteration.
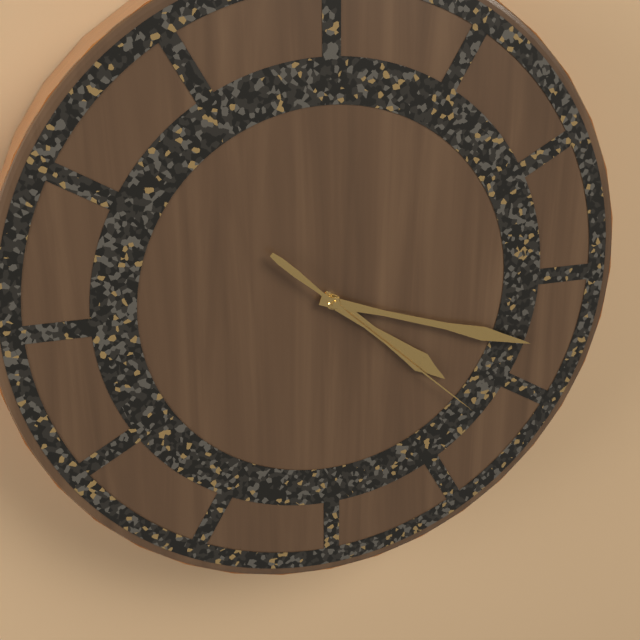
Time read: 4:18:22
